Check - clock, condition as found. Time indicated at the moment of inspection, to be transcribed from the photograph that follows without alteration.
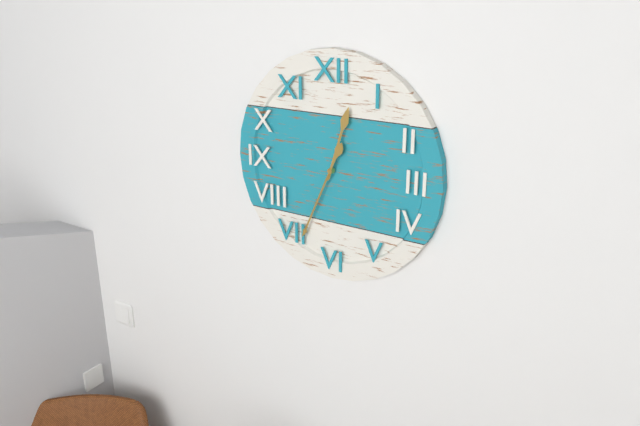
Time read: 12:34
